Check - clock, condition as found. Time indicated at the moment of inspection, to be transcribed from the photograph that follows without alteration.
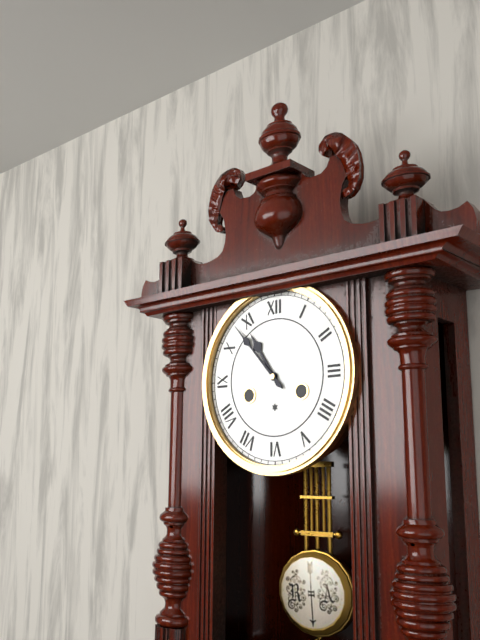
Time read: 10:53
